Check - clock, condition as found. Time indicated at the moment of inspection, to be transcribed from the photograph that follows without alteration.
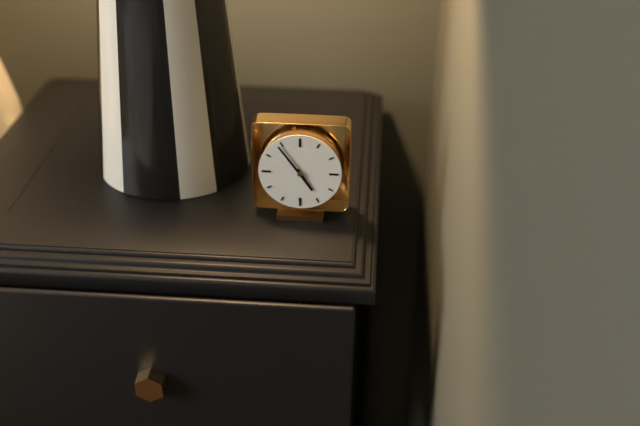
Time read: 4:54
